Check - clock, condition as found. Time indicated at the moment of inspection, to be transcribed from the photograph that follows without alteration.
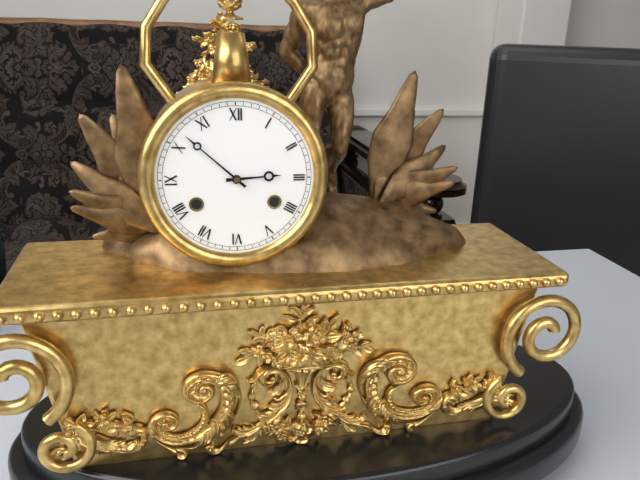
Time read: 2:52
